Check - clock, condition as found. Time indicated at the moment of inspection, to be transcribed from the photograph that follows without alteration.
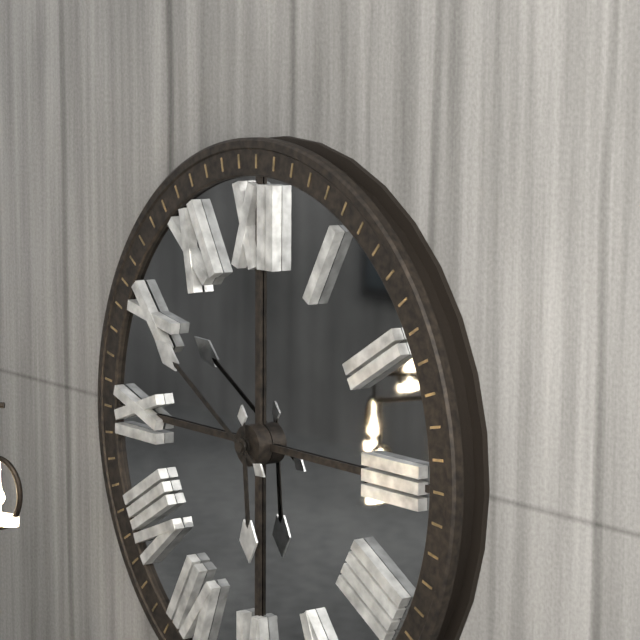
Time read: 5:50
